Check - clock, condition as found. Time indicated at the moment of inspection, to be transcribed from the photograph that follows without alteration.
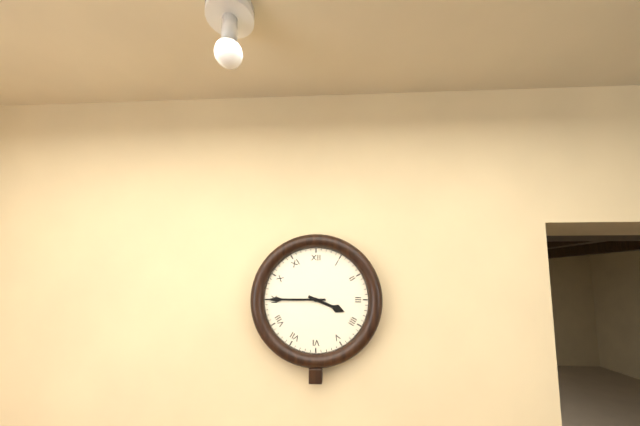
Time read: 3:45
